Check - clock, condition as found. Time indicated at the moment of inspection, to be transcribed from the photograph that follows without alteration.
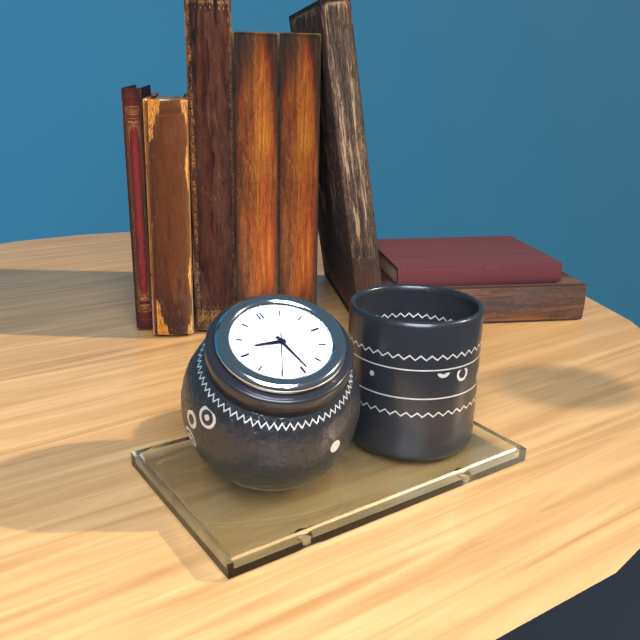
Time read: 9:29
